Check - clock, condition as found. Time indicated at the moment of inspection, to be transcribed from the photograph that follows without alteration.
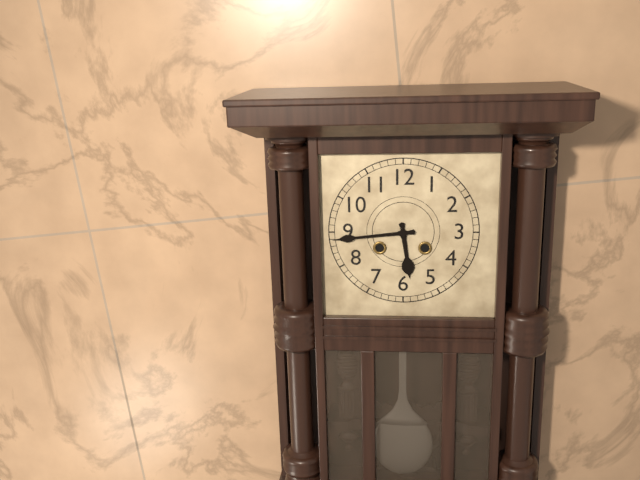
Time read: 5:44
